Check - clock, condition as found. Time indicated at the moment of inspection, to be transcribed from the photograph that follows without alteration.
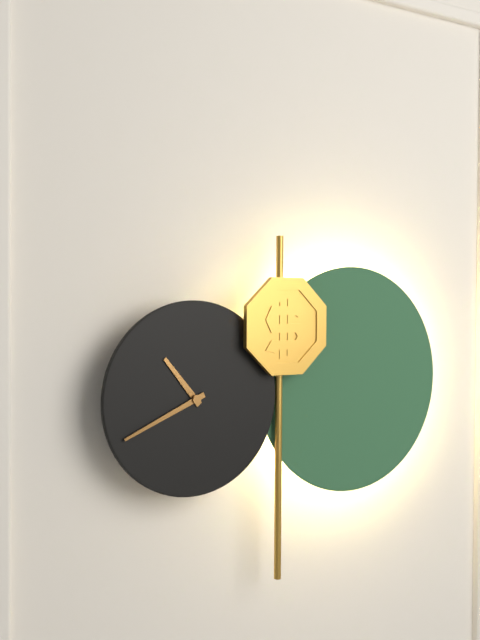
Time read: 10:41
